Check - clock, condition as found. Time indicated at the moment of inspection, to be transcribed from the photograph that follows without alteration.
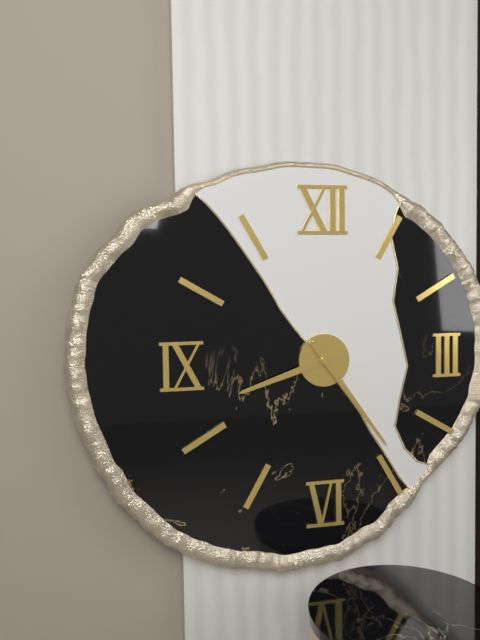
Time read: 8:24
